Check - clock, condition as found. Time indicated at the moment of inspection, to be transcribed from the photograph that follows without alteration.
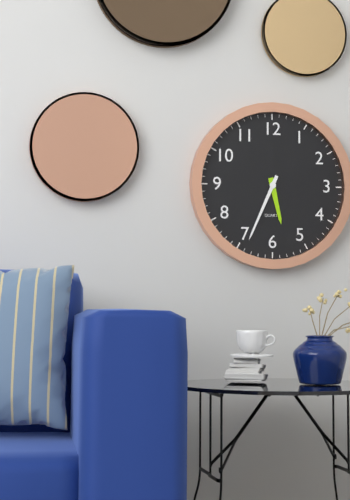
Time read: 5:34
